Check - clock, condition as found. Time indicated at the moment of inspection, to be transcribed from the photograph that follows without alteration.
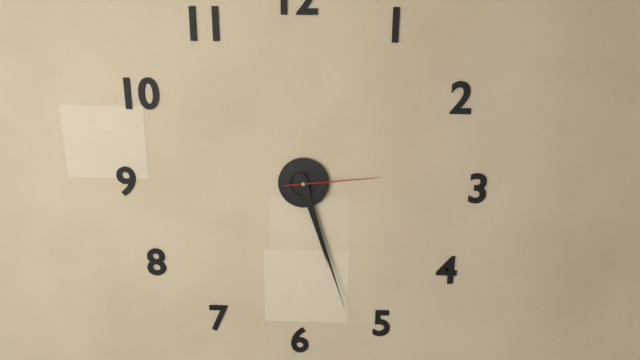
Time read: 5:27:14
